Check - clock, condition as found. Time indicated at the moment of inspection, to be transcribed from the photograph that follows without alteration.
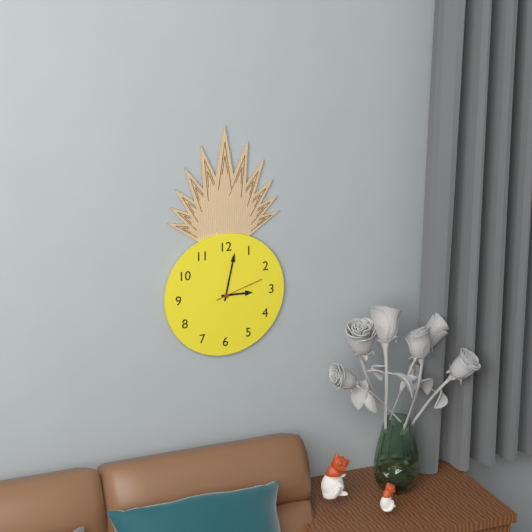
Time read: 3:02
